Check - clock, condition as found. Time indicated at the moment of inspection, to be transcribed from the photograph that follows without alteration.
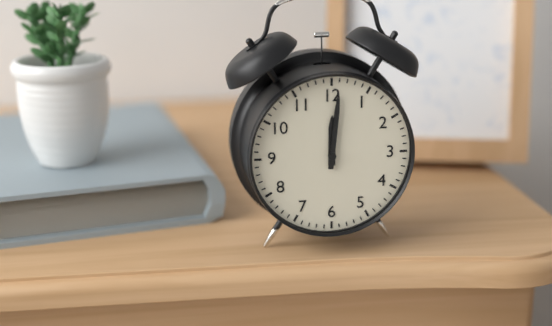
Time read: 12:01
